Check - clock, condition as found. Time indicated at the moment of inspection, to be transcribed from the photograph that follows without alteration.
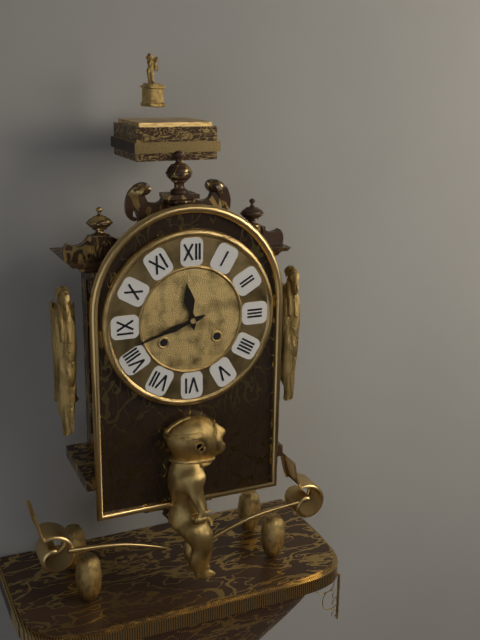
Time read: 11:42
